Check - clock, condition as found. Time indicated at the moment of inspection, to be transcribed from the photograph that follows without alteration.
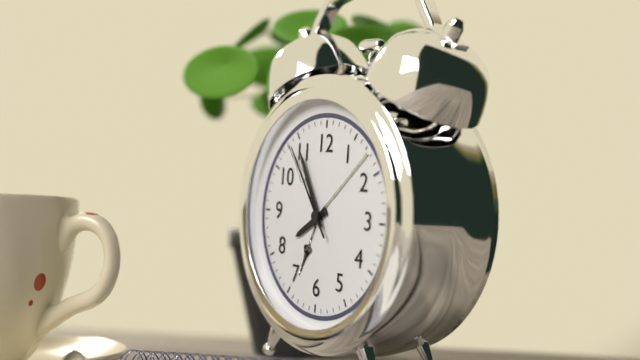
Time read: 7:55:54
